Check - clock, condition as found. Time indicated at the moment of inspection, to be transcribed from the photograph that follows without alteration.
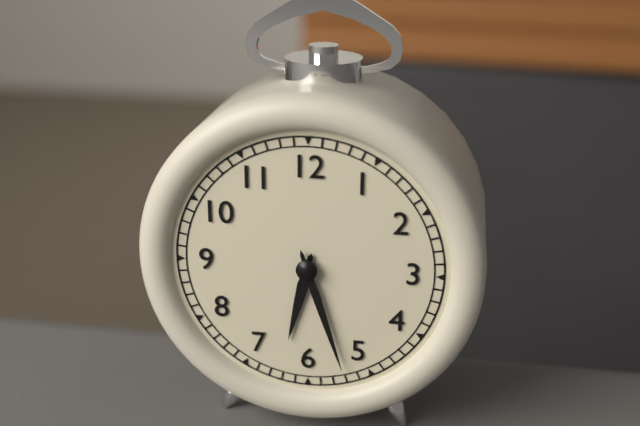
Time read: 6:27
